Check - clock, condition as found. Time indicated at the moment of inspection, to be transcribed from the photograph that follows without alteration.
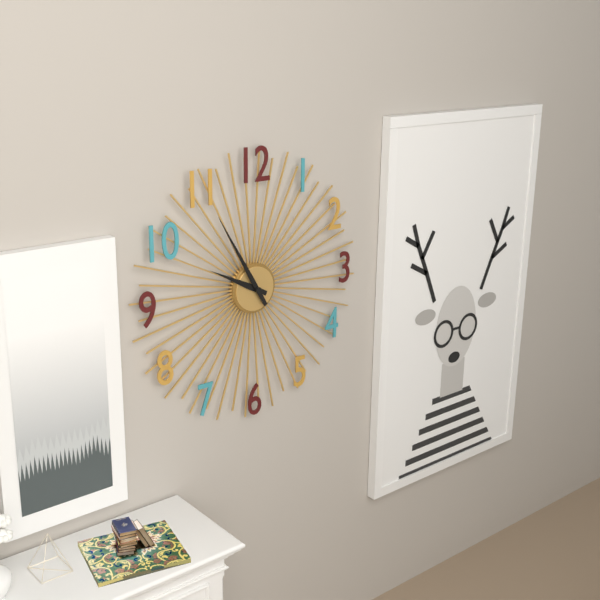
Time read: 9:55
